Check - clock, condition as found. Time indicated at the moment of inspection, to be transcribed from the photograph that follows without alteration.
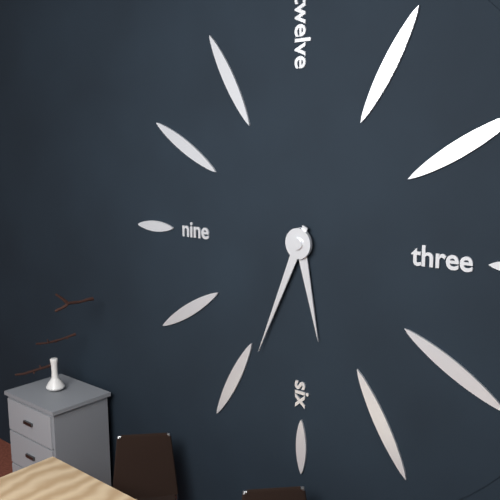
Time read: 5:34
